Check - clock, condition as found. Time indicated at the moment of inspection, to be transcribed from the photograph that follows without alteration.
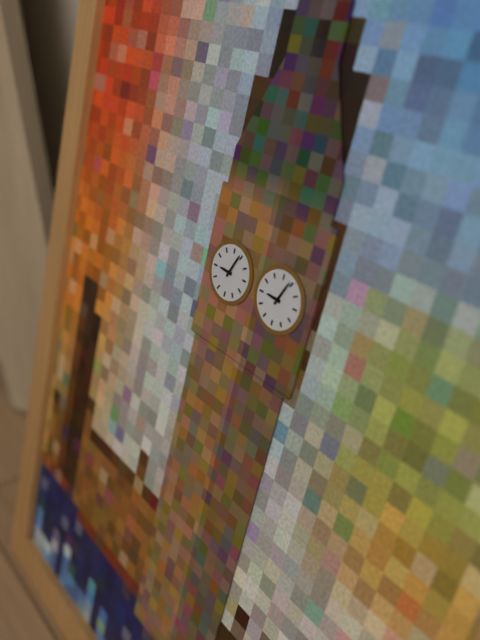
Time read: 9:04
